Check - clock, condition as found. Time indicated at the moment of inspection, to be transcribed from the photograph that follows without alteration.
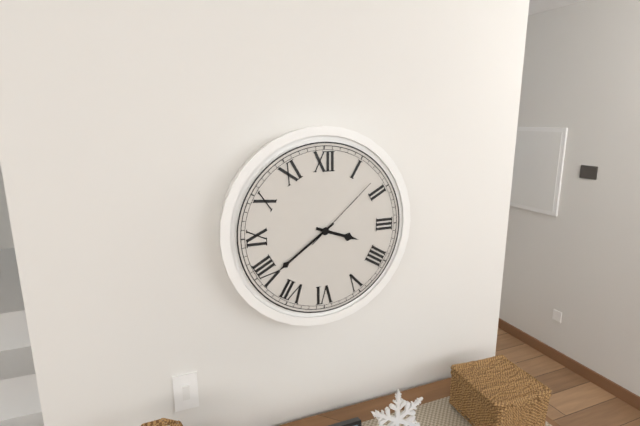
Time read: 3:39:08
